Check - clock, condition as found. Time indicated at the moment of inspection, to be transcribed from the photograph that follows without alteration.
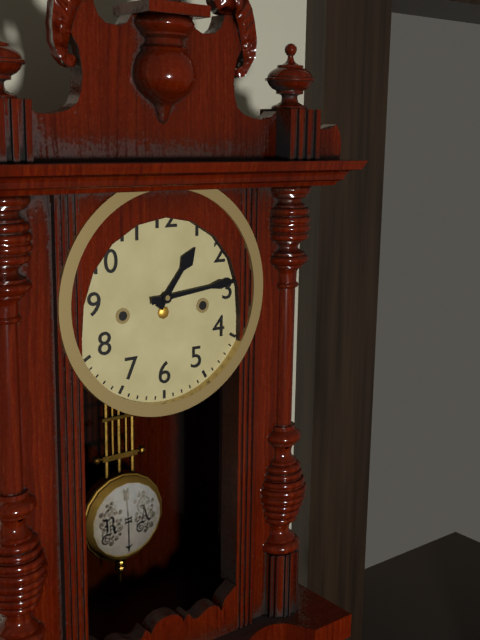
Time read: 1:14
